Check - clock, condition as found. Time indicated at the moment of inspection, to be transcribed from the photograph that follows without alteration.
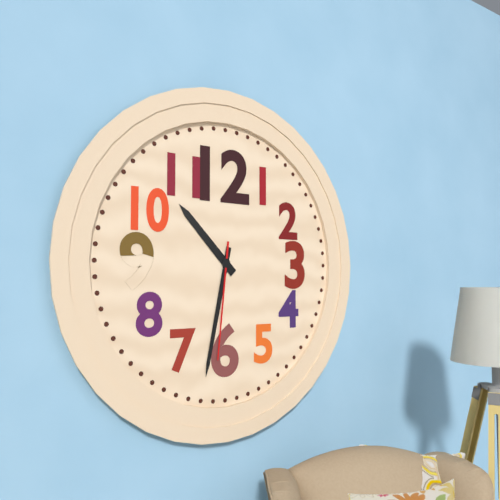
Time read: 10:32:31
